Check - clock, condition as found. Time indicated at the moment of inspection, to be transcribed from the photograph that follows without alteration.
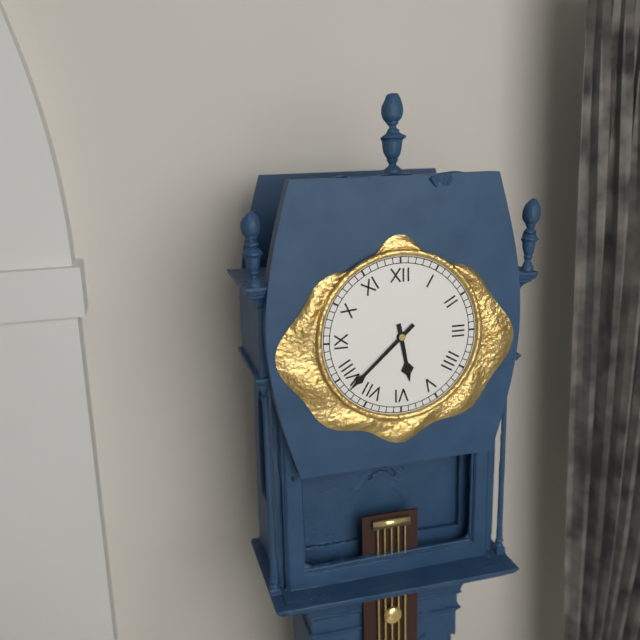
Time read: 5:38
